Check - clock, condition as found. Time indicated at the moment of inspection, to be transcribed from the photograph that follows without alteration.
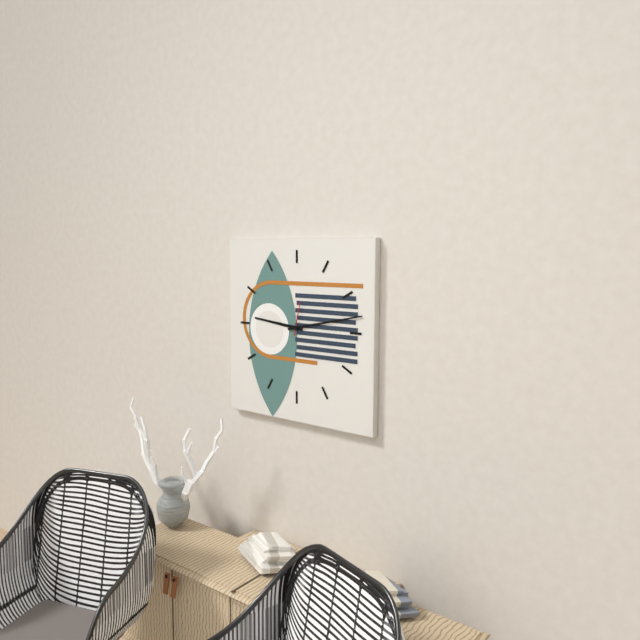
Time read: 9:13
